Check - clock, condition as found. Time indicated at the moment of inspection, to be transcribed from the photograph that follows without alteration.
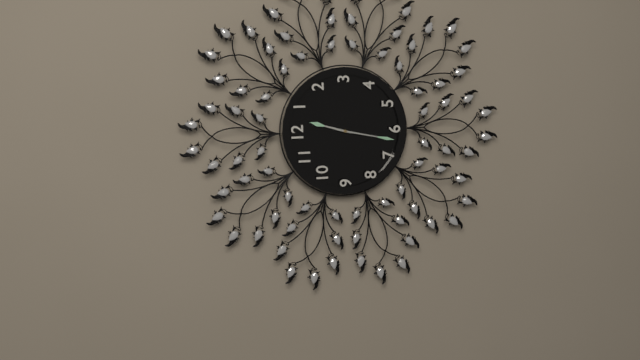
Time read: 12:32
